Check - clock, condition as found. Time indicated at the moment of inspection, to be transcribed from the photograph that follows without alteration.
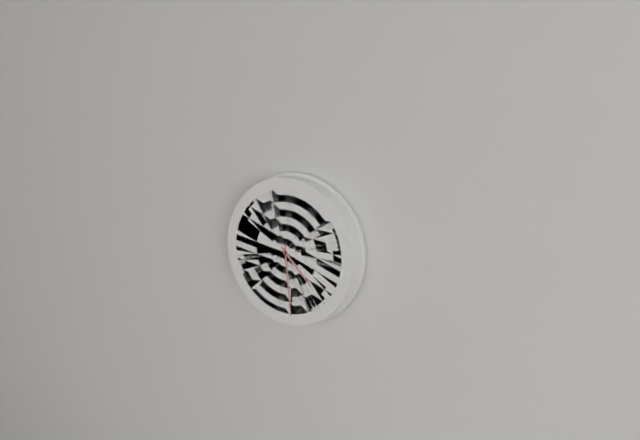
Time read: 4:29
